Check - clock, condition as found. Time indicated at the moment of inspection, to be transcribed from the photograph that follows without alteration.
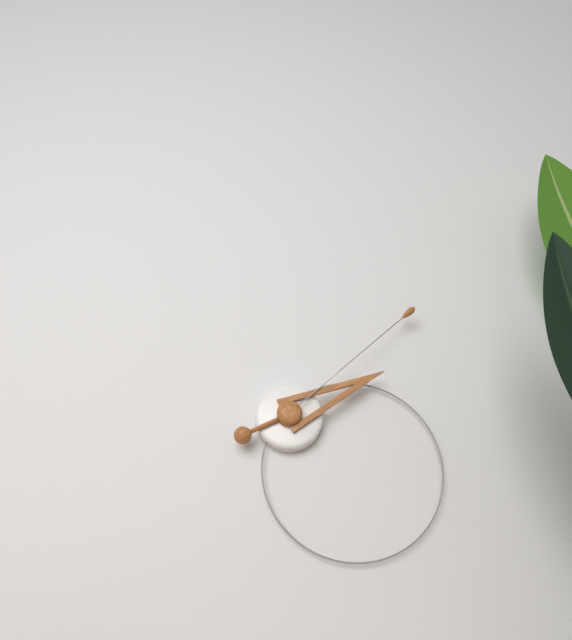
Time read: 2:08
